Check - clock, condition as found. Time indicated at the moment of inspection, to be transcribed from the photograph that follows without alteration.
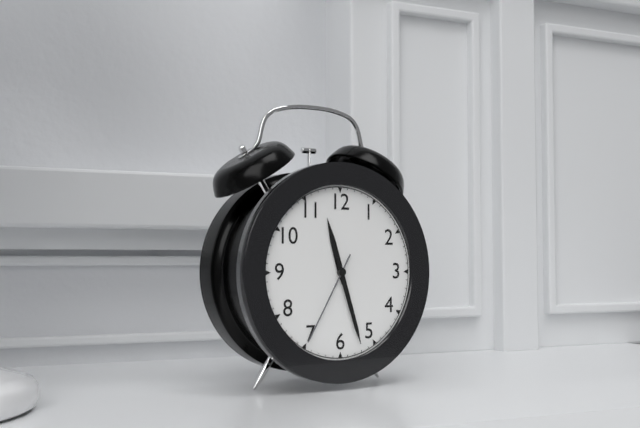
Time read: 11:27:35
